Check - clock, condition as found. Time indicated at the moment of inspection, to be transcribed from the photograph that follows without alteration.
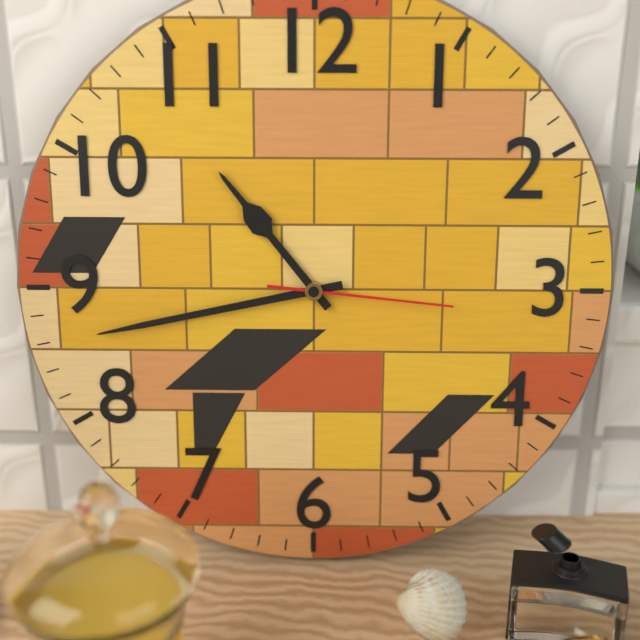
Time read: 10:43:16
